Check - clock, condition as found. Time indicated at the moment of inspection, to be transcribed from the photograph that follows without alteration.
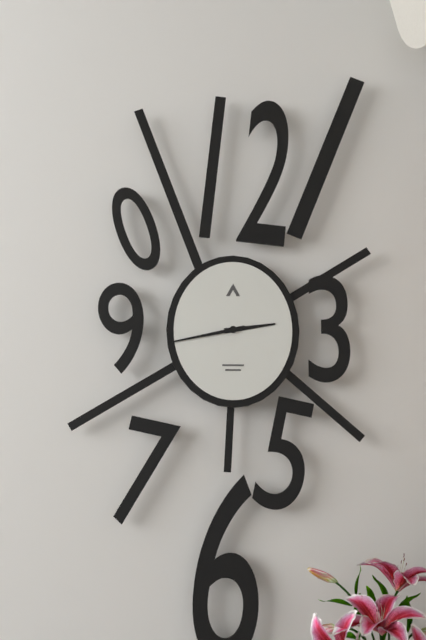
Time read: 2:43
